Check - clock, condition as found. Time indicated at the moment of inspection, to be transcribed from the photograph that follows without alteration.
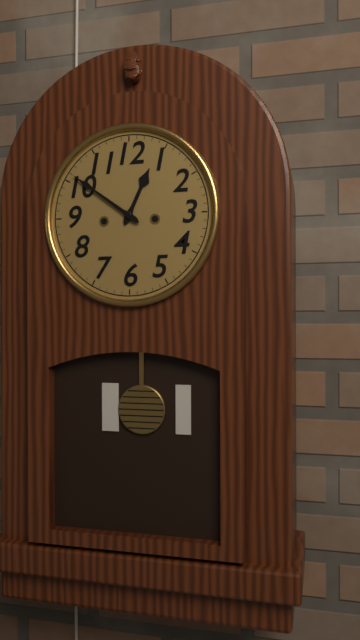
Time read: 12:51
